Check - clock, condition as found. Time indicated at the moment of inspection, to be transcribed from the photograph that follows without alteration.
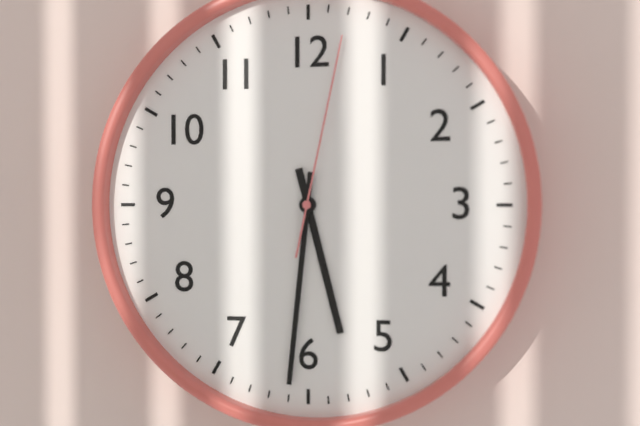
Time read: 5:31:02
